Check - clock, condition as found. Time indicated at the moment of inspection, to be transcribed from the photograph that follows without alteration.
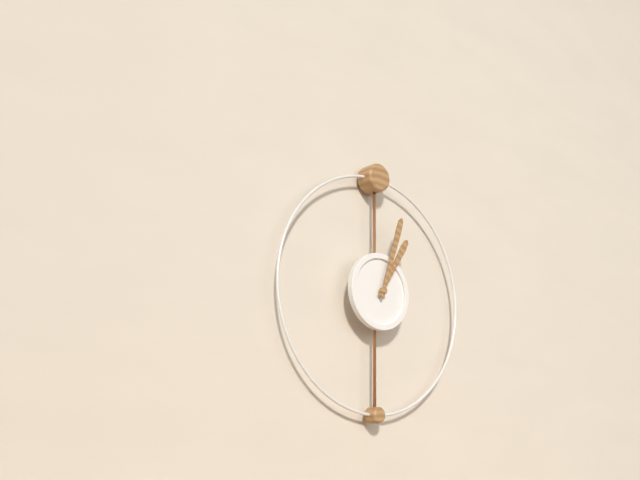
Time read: 1:03
